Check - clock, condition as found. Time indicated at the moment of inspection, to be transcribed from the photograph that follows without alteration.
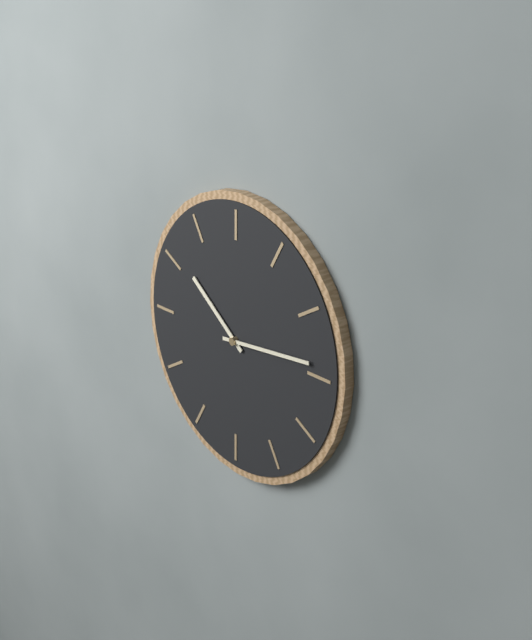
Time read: 10:14
